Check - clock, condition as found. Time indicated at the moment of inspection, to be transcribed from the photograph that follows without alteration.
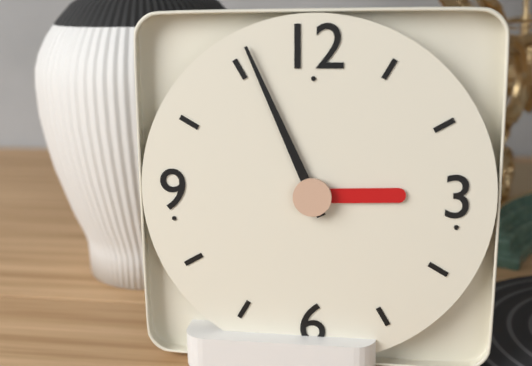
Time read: 2:56
